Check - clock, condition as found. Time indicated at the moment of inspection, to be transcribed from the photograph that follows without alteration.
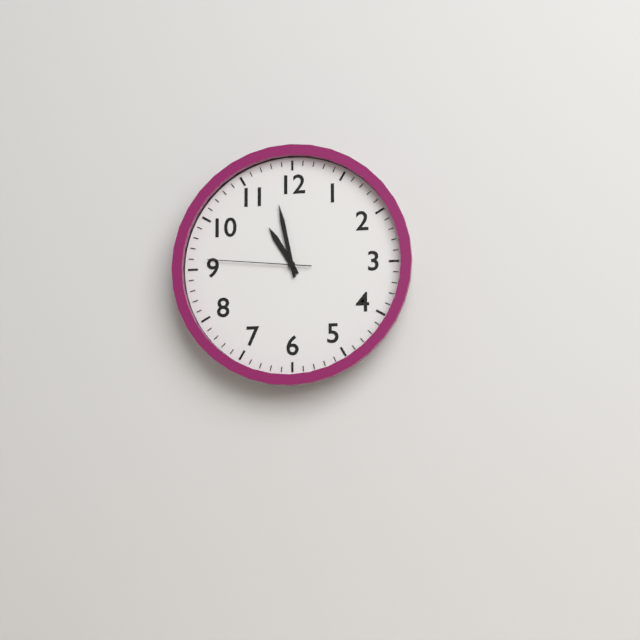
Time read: 10:58:46
